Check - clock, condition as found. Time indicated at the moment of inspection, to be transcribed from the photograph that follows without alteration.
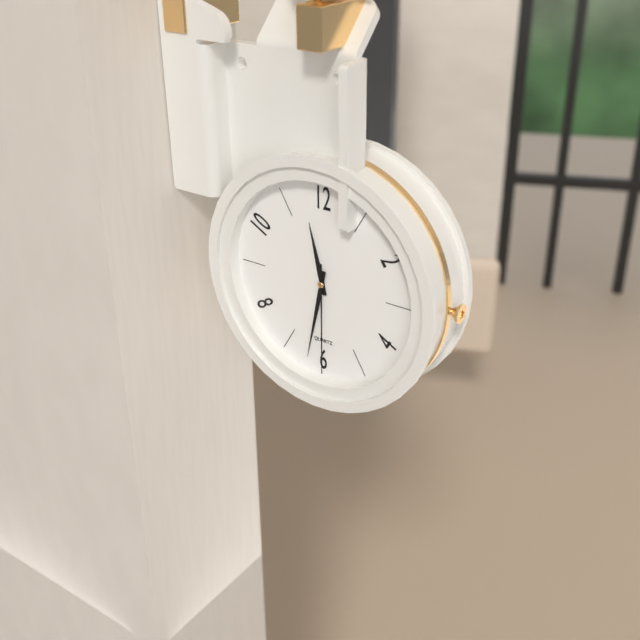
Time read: 11:32:30
